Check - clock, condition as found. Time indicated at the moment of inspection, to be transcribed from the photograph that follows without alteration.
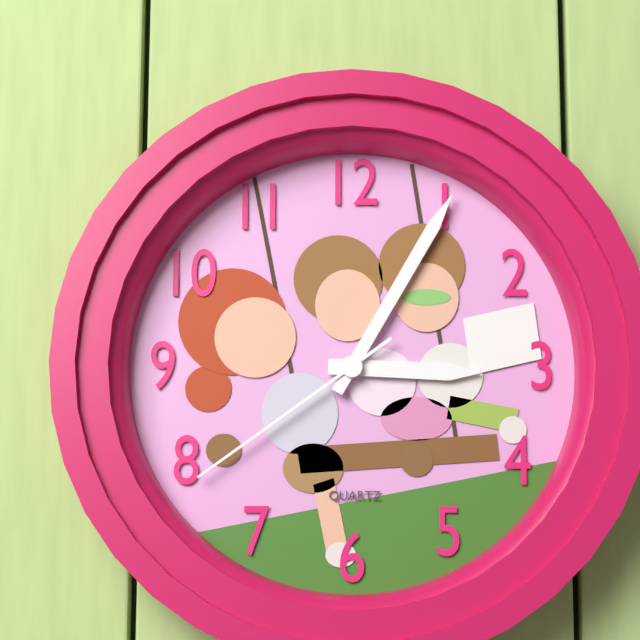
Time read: 3:05:39
